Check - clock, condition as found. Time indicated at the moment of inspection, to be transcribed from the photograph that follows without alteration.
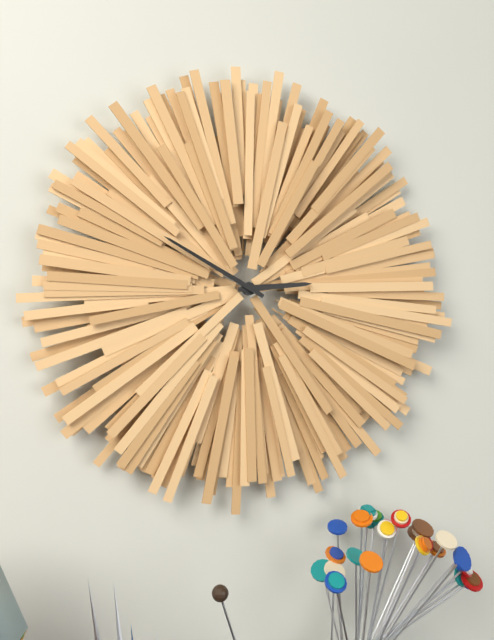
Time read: 2:50
